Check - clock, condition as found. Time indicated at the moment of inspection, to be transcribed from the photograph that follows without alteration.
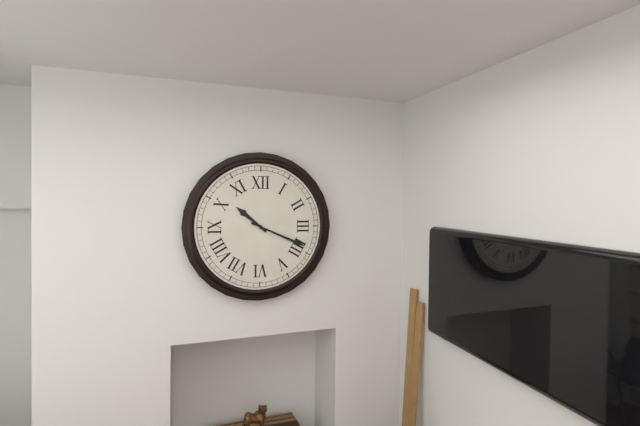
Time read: 10:19
